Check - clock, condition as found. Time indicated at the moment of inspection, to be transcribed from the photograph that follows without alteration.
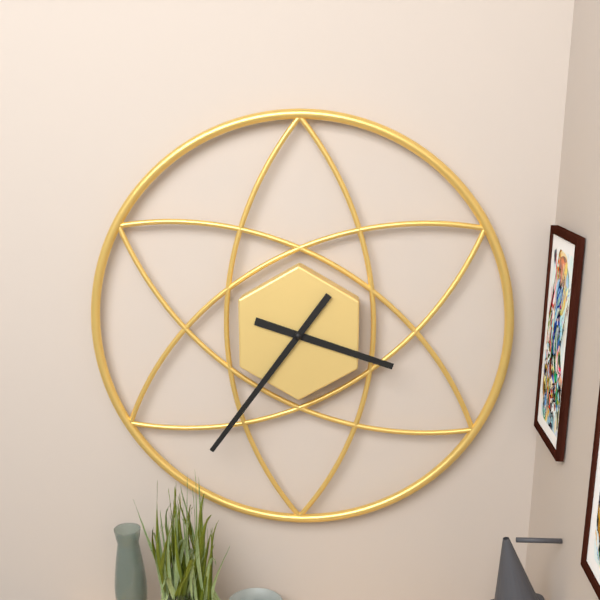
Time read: 3:36
